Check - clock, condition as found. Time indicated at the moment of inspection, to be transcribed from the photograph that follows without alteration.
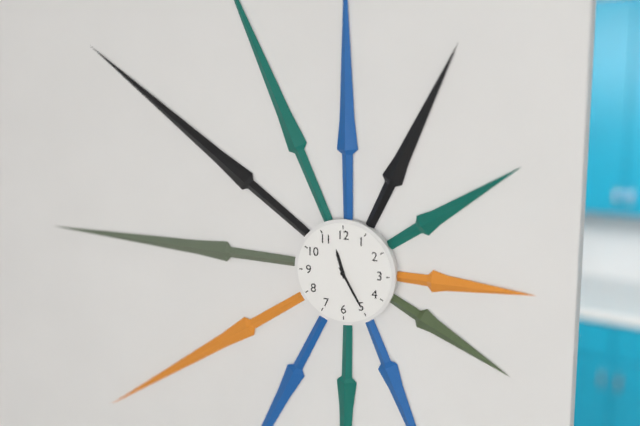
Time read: 11:25
